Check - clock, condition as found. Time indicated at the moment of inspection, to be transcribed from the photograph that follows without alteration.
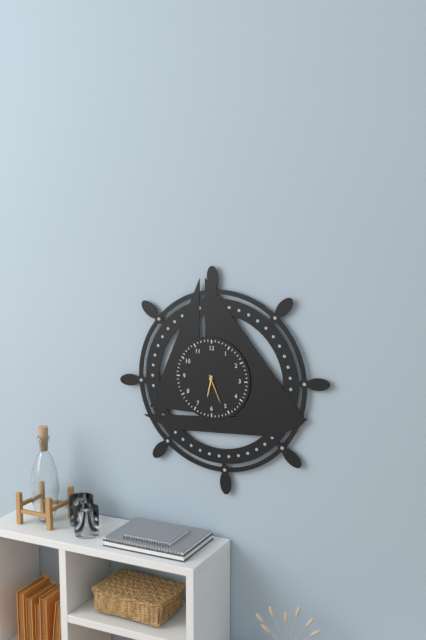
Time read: 6:26
